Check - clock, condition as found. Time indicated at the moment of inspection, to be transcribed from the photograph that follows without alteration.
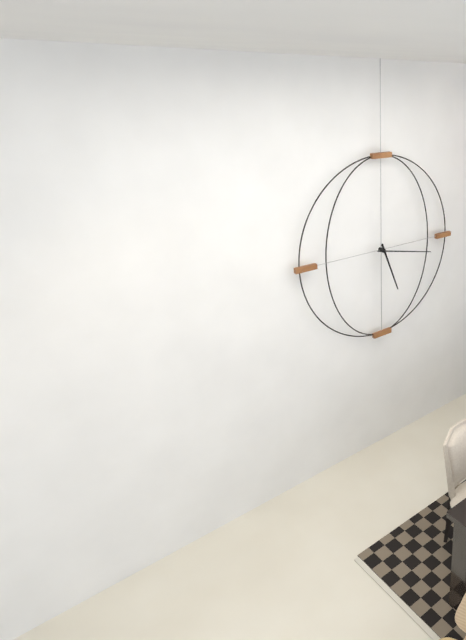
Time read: 5:17
